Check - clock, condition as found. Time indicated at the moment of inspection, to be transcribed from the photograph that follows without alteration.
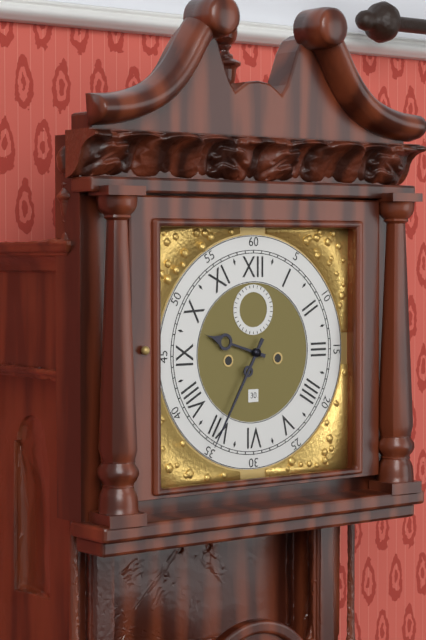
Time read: 9:35
